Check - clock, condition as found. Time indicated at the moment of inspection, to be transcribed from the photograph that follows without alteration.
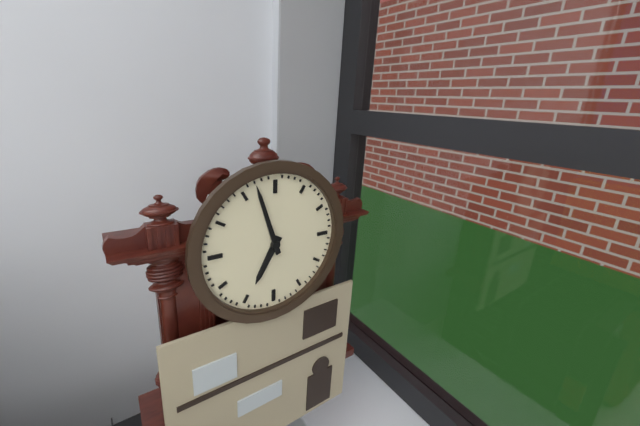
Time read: 6:57
